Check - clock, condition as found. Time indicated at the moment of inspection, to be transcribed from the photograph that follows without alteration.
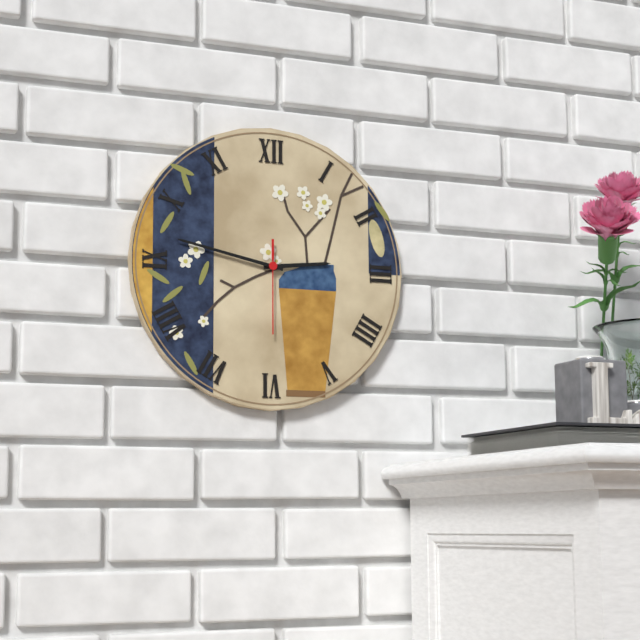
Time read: 2:47:30
